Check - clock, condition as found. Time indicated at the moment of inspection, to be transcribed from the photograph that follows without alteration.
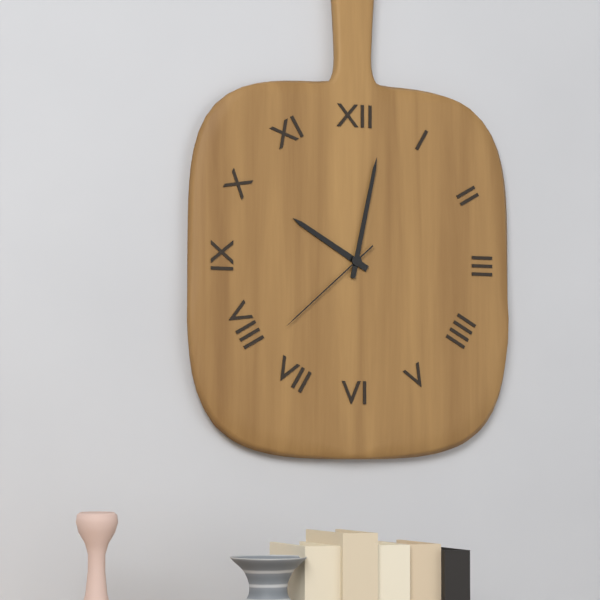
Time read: 10:02:38
